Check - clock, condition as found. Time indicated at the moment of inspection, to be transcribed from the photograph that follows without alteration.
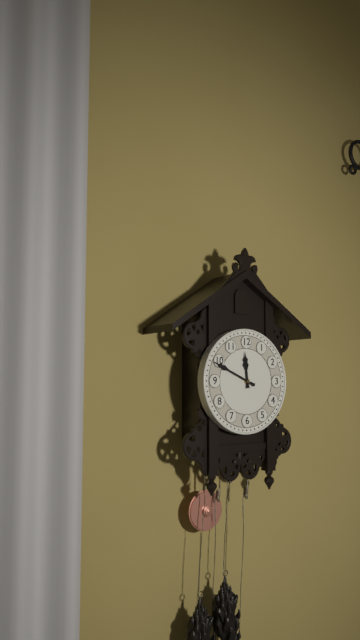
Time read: 11:49
